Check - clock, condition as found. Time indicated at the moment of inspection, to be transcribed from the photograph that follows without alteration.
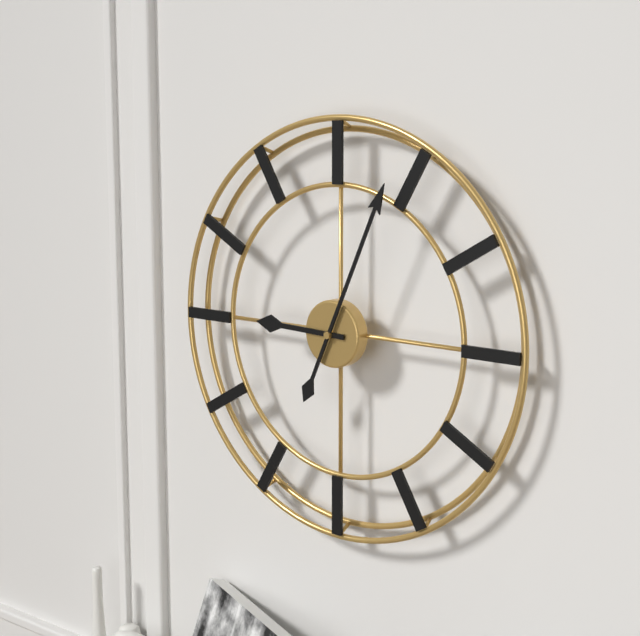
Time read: 9:04
